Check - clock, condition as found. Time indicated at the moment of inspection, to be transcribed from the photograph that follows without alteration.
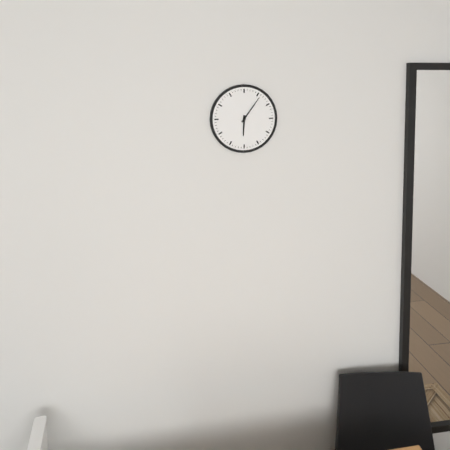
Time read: 6:06
